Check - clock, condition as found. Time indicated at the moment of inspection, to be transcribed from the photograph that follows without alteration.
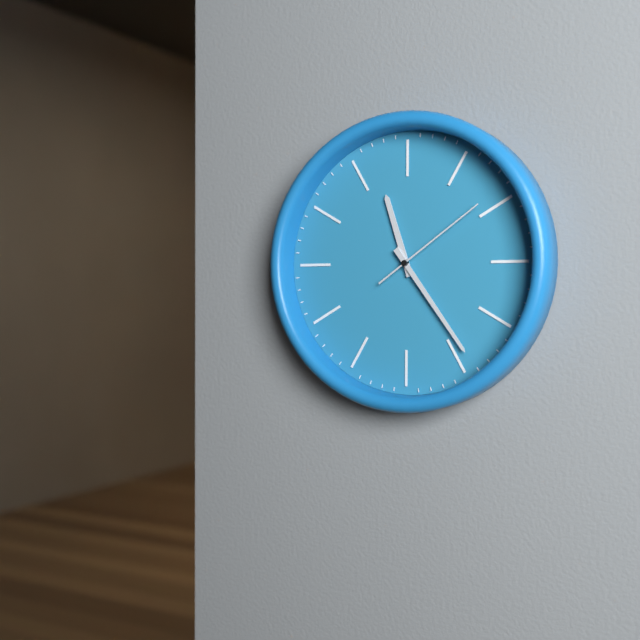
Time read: 11:24:09
